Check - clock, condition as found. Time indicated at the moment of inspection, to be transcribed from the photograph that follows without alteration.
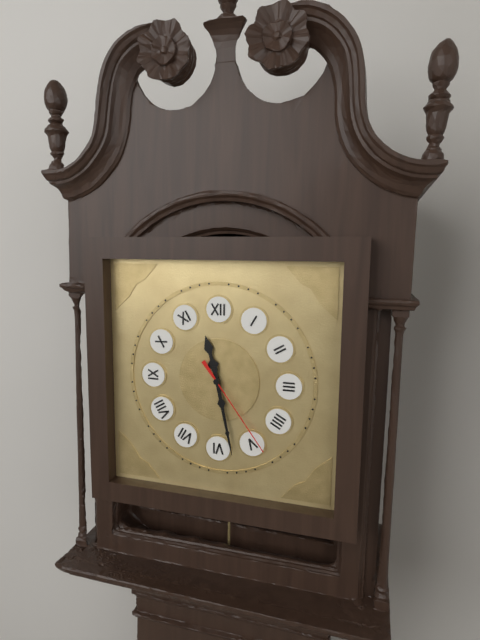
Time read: 11:28:24
